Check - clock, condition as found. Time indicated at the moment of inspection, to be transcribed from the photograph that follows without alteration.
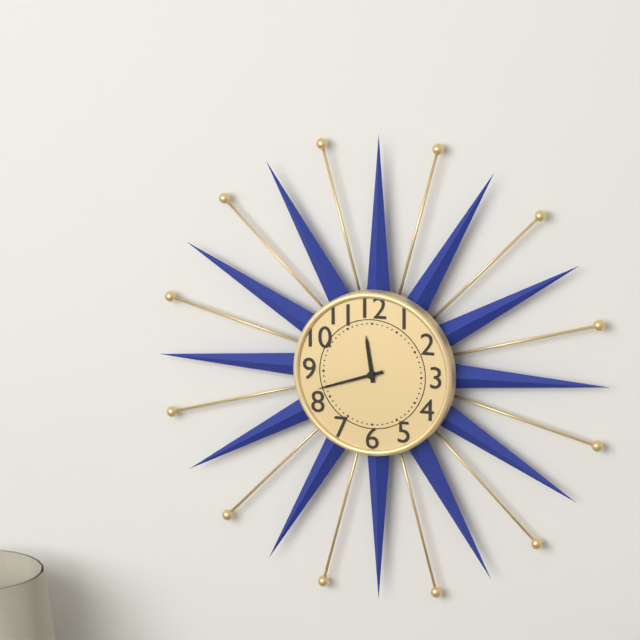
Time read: 11:42
